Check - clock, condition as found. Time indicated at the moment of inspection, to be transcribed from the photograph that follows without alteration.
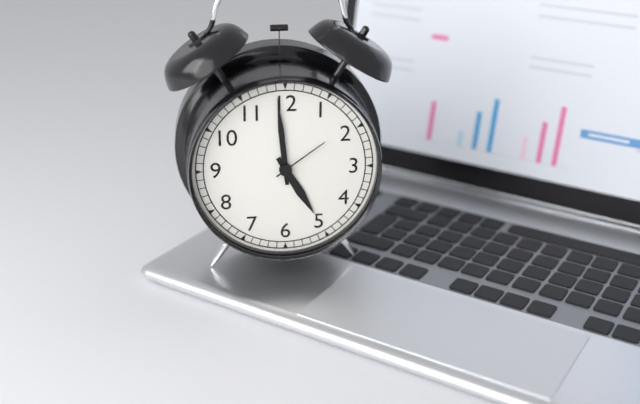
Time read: 4:59:09
